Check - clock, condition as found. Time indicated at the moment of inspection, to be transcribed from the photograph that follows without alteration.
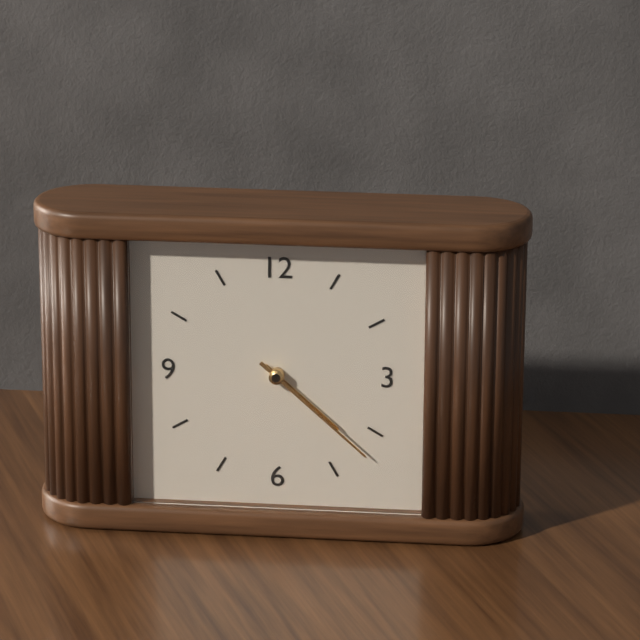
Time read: 4:22
